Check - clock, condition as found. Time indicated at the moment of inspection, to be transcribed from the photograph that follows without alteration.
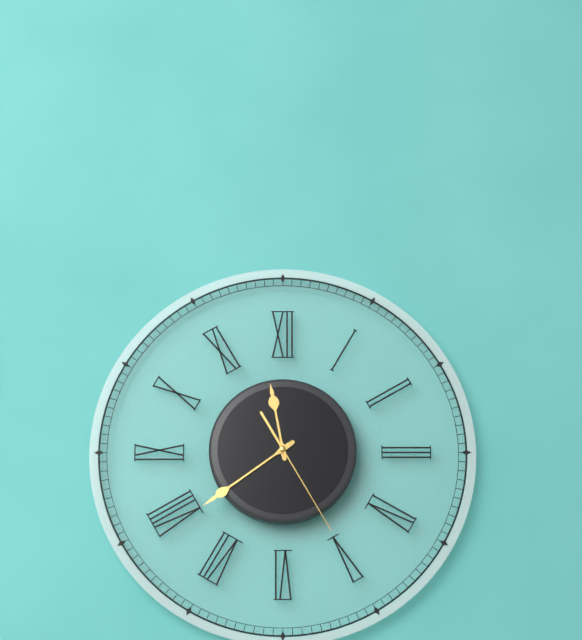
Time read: 11:39:25
